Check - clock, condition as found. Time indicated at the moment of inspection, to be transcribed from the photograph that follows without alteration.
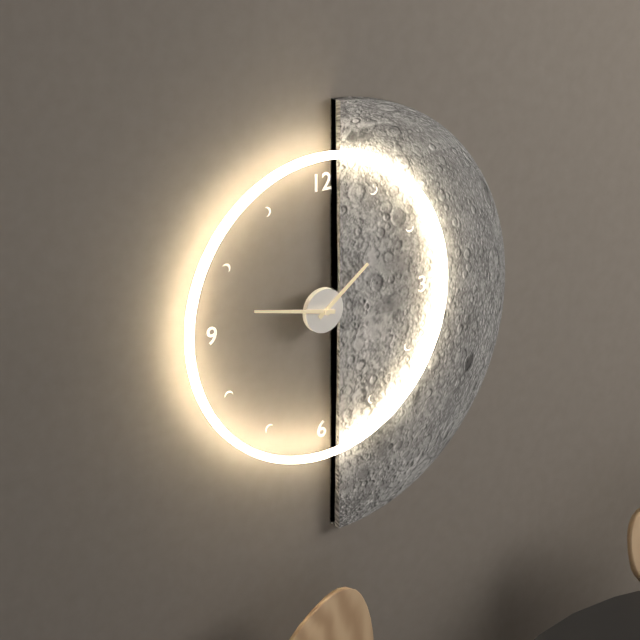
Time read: 1:47
